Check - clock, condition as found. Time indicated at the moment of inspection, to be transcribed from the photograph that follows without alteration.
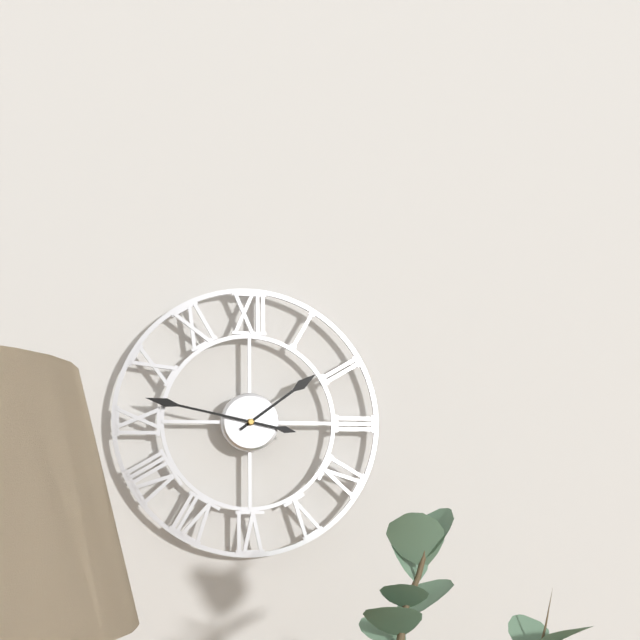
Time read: 1:47
